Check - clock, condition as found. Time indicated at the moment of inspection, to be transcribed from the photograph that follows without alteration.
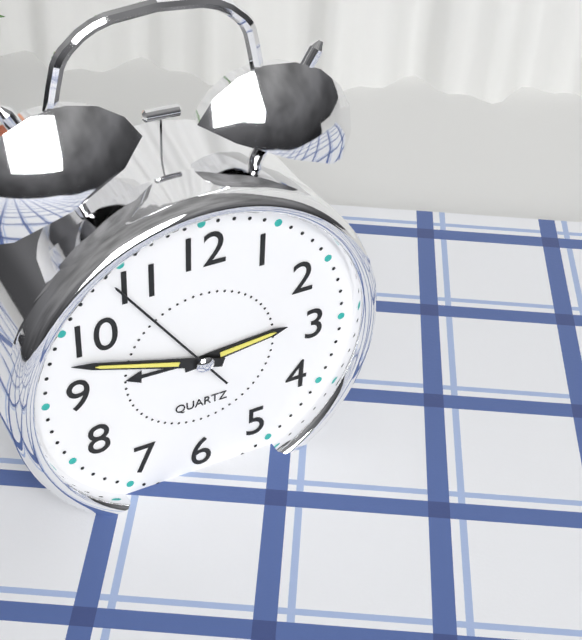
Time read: 2:48:54
